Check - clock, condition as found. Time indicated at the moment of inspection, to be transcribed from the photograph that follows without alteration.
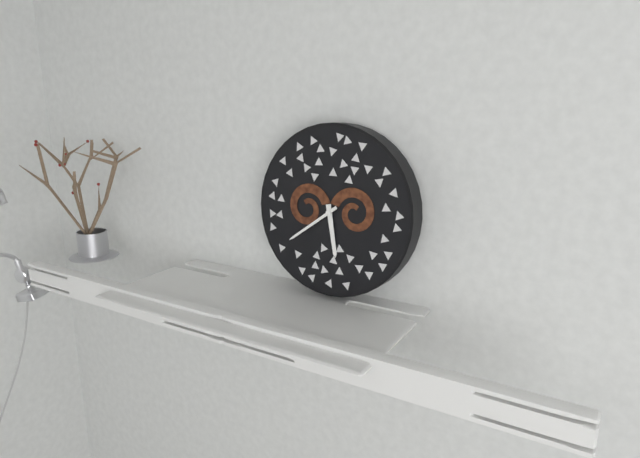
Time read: 5:39
